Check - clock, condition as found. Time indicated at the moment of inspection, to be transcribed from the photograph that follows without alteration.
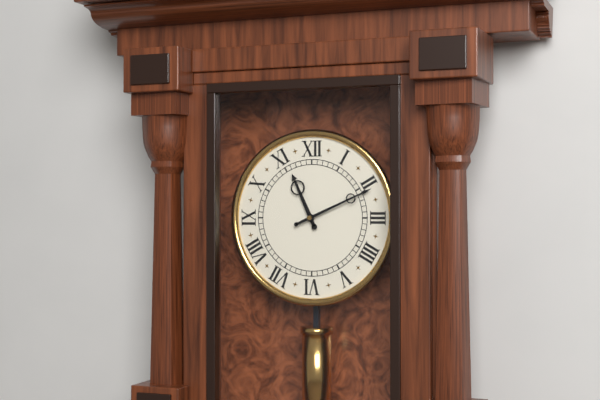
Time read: 11:11
